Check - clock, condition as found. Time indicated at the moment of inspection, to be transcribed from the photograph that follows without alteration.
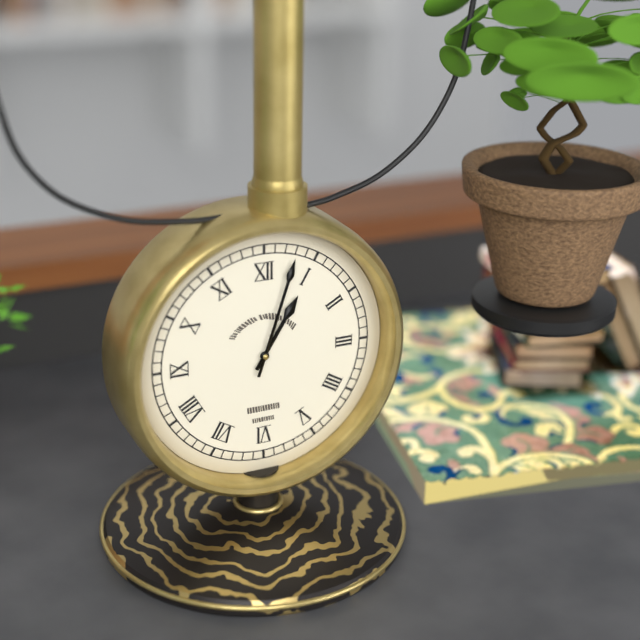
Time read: 1:03
